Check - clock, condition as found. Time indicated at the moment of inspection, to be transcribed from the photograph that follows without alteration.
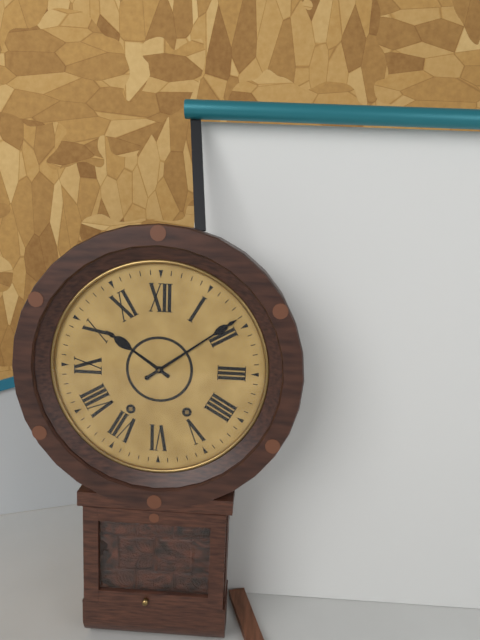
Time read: 10:09
